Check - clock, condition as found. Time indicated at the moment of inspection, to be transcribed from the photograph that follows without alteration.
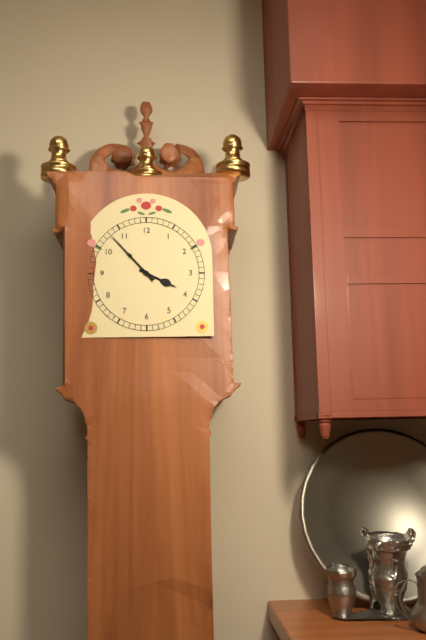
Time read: 3:53
